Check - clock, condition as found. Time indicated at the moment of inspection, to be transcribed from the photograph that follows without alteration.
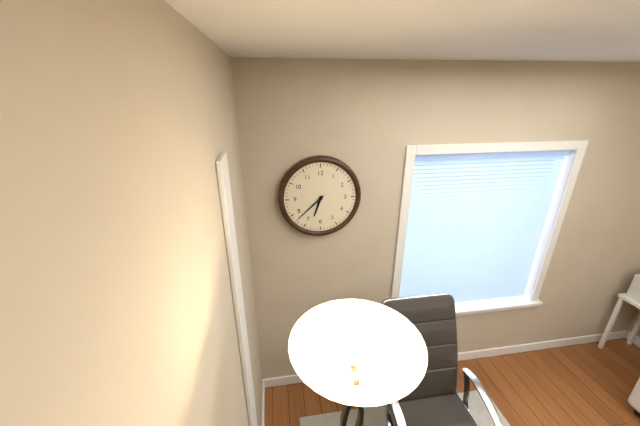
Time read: 6:38
